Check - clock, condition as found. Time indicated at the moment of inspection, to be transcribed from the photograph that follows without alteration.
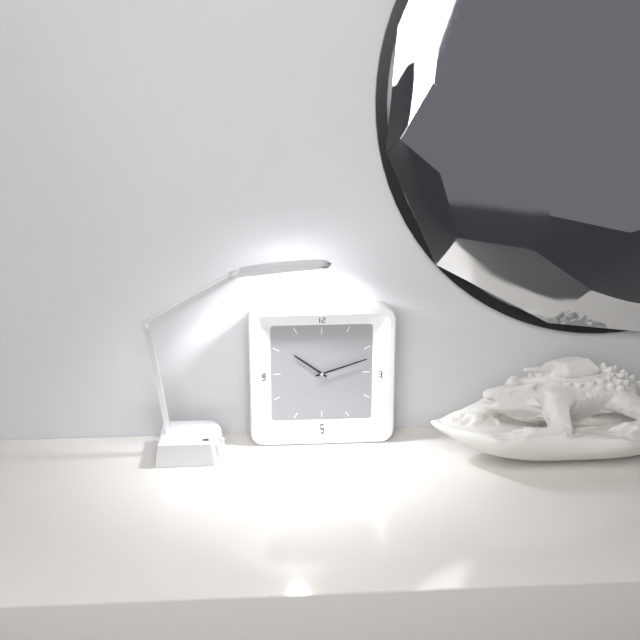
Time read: 10:12
